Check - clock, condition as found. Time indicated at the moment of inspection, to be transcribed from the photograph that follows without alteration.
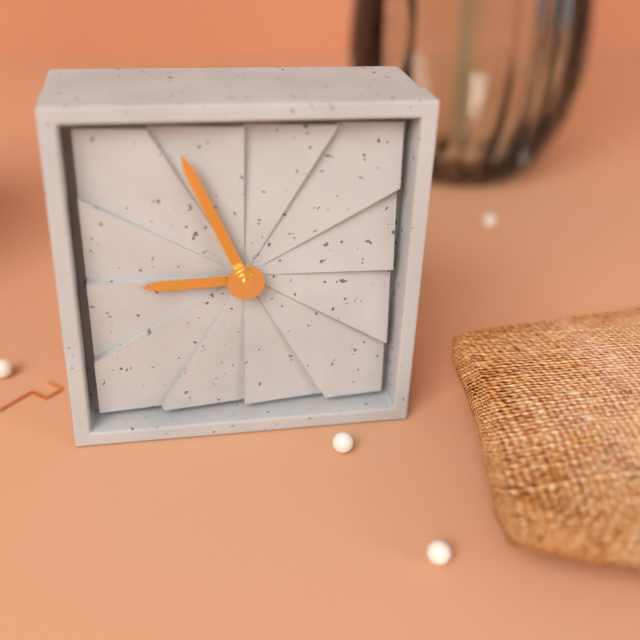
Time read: 8:56
